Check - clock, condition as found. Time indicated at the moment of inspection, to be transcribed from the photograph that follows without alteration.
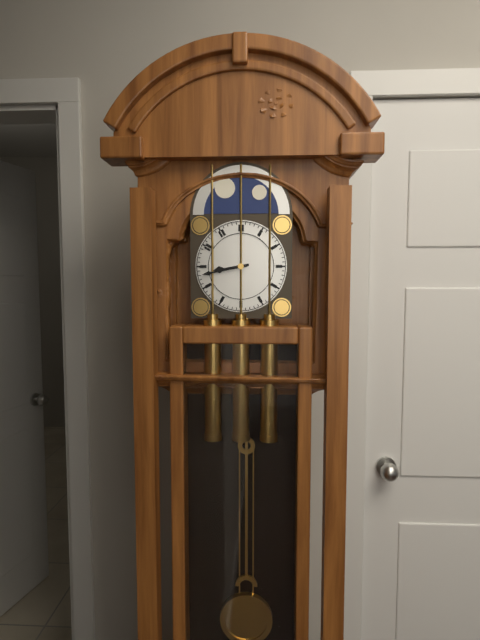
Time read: 8:43
